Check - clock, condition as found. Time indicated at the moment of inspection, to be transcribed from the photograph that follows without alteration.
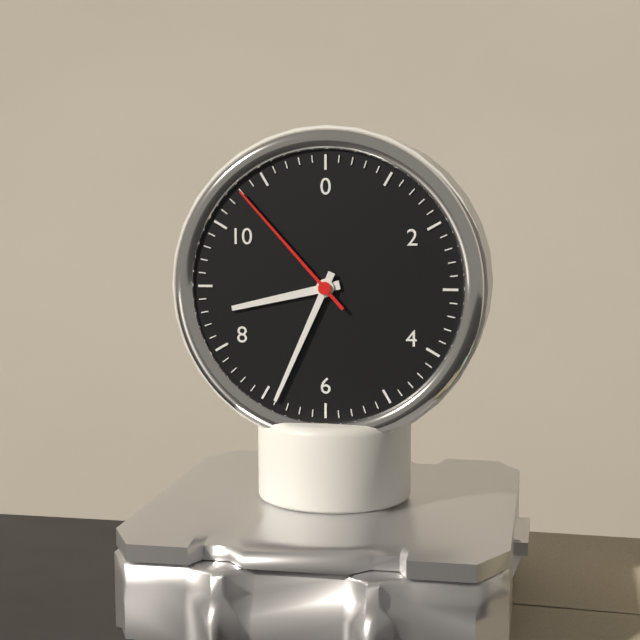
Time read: 8:34:53
